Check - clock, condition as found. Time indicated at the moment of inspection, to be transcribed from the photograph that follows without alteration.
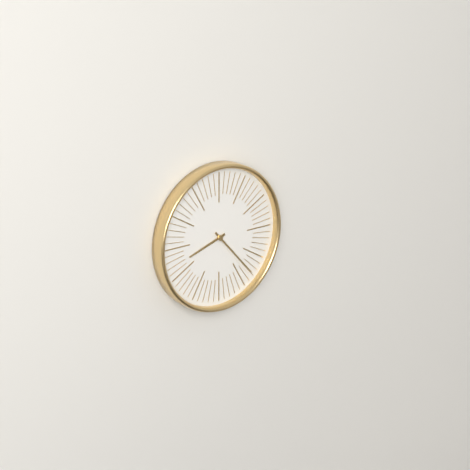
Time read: 8:23
